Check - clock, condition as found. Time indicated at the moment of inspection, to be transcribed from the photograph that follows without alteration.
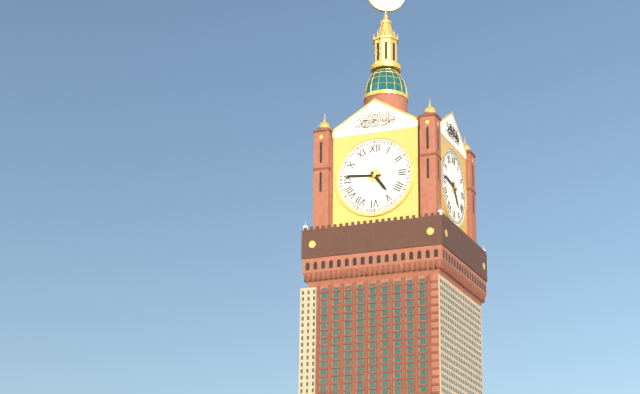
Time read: 4:46
